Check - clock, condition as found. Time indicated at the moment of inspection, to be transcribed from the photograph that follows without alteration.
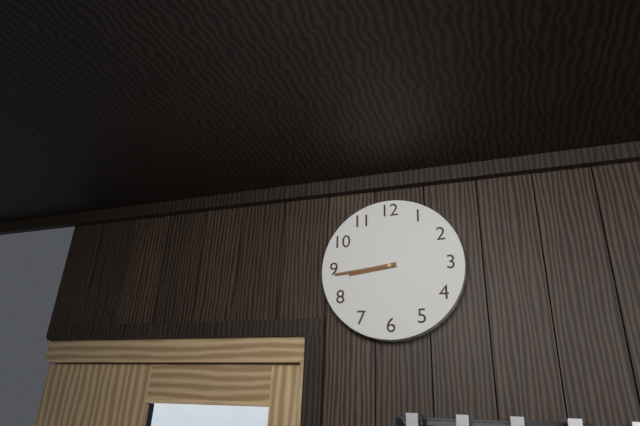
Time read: 8:44
